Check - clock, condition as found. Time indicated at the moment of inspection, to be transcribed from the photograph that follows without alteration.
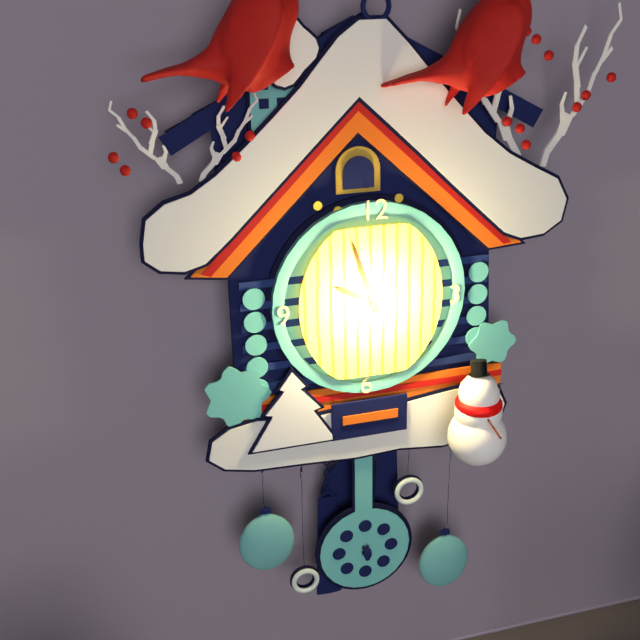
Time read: 9:57
